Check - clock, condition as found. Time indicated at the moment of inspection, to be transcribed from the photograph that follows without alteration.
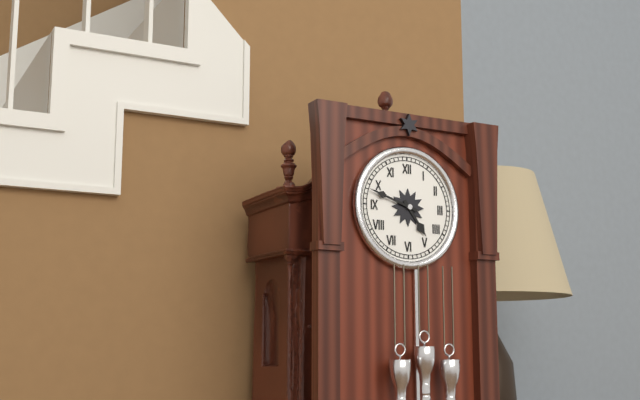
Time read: 4:48
